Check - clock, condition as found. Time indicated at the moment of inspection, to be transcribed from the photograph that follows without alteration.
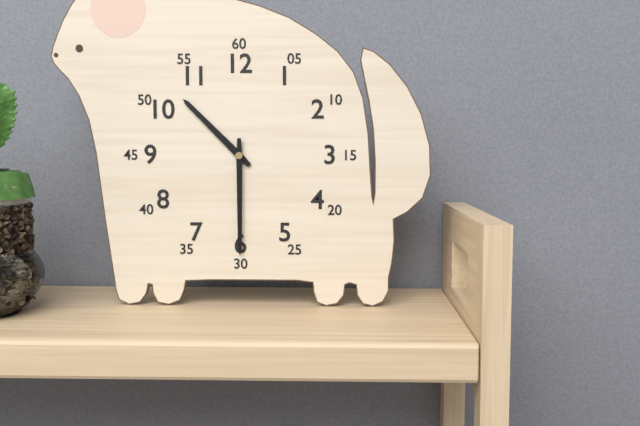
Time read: 10:30
